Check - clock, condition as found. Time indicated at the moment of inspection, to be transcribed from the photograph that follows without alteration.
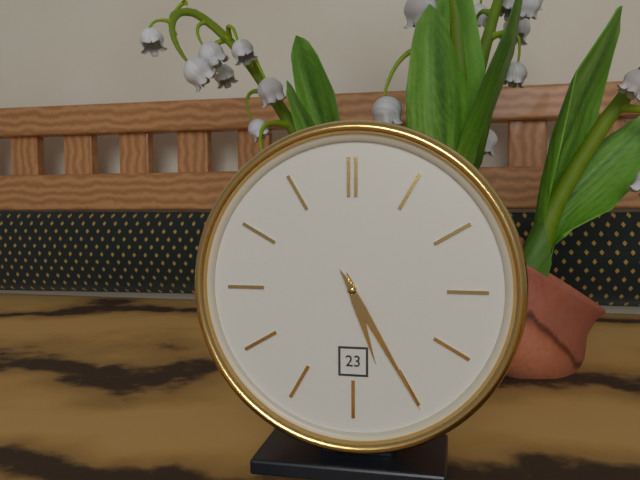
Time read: 5:25
